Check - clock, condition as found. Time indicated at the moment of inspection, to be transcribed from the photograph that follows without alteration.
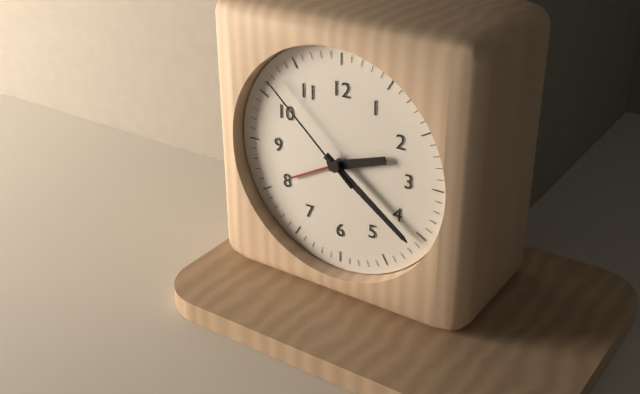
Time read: 2:21:52
